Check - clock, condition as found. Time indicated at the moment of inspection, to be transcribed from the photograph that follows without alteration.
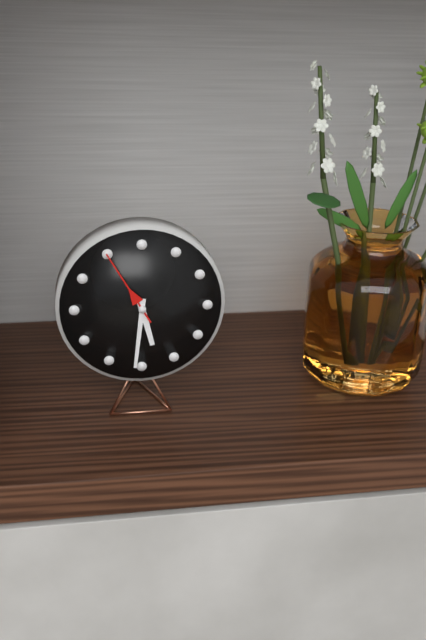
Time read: 5:31:55
